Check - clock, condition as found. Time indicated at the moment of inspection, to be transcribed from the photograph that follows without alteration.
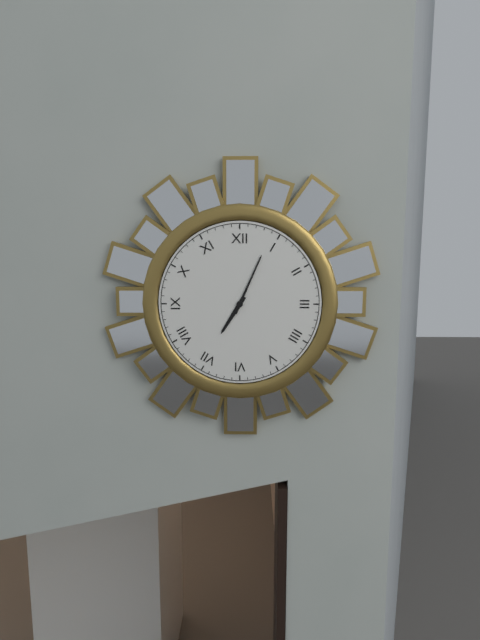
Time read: 7:04
